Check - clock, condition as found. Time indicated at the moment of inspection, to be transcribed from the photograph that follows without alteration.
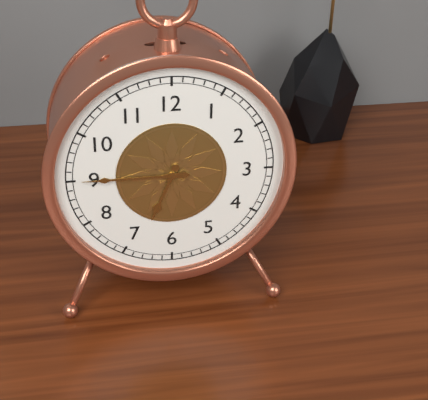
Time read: 6:45
